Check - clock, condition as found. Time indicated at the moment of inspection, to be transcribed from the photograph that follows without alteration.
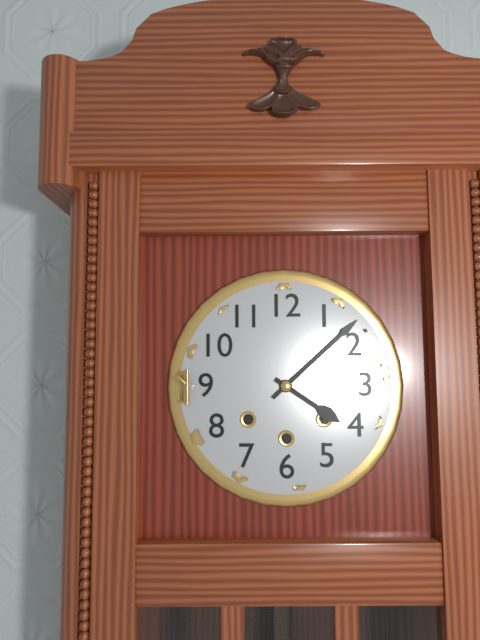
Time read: 4:08
